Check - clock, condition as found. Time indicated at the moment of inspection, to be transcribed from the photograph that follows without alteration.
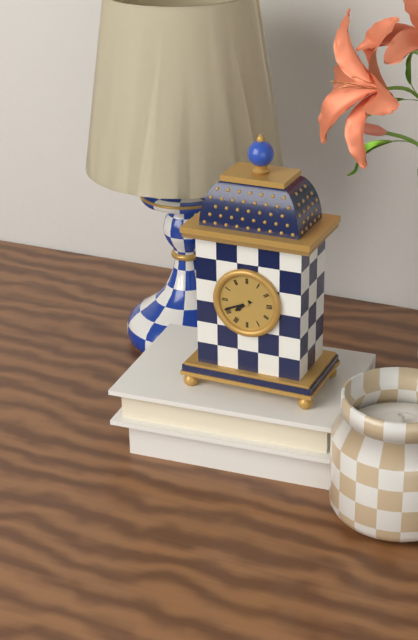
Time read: 7:41
